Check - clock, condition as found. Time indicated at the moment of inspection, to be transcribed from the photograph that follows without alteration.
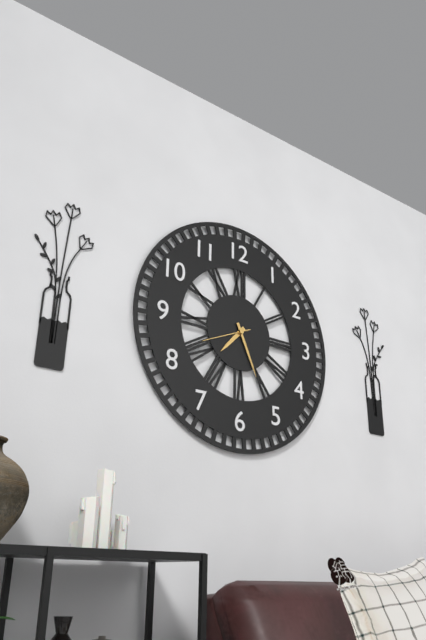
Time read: 7:26
